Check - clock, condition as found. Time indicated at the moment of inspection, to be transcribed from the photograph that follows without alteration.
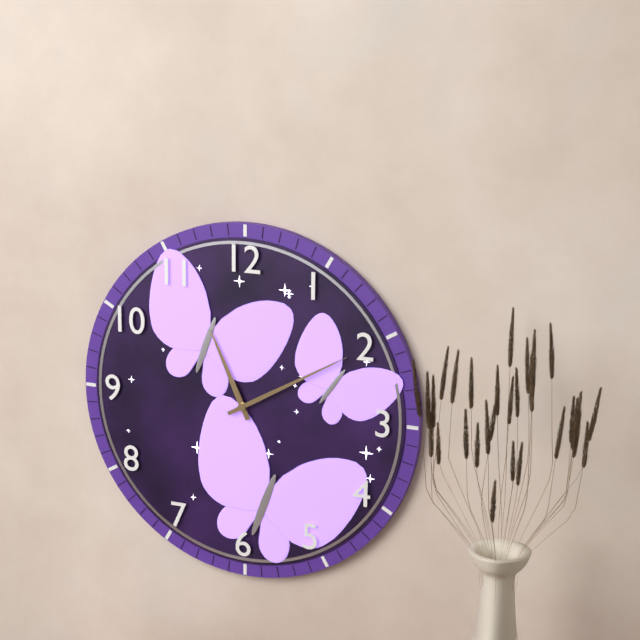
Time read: 11:10
